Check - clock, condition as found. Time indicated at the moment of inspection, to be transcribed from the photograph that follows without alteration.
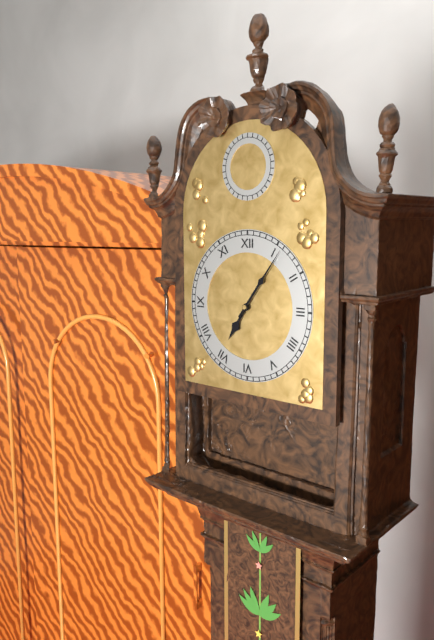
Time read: 7:06
